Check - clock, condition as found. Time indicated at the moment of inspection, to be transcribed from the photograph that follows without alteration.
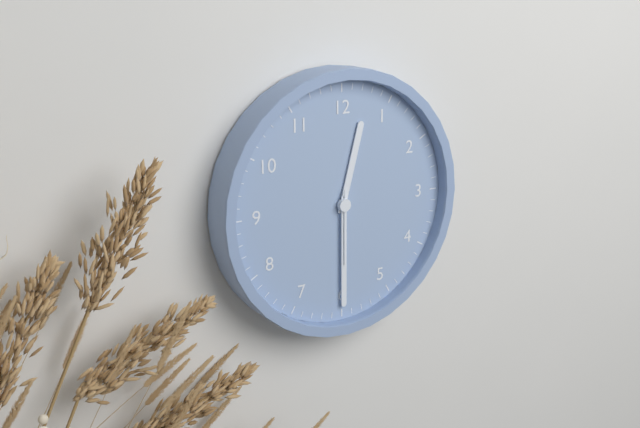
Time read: 12:30:30
